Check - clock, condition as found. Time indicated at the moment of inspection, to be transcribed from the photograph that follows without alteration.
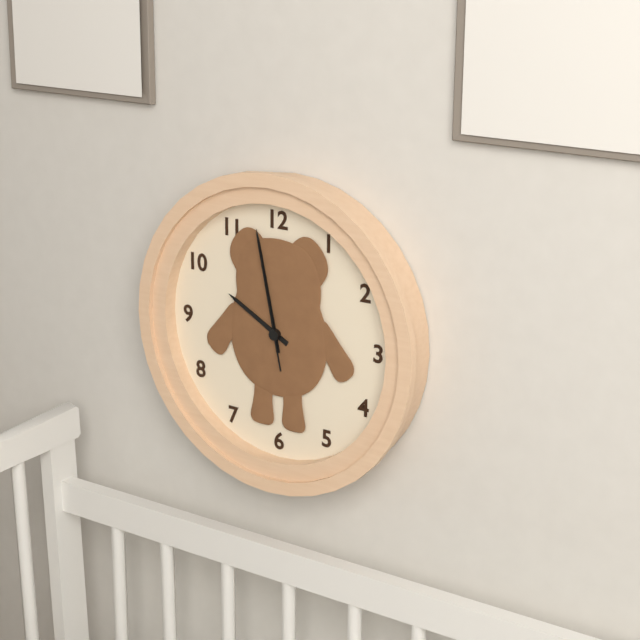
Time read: 9:58:58
